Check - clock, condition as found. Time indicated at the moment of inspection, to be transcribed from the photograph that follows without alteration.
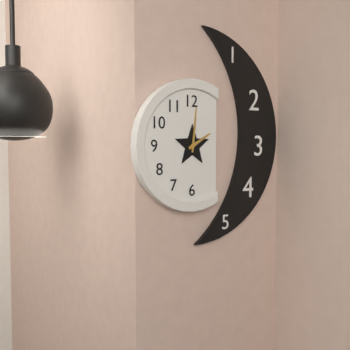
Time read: 2:01
